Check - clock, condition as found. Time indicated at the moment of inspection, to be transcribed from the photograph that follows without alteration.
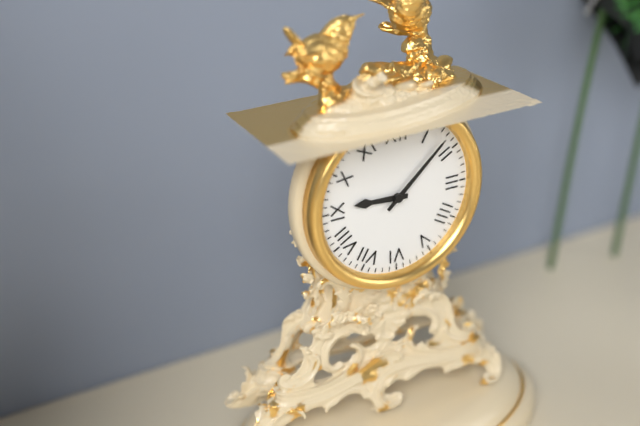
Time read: 9:08
